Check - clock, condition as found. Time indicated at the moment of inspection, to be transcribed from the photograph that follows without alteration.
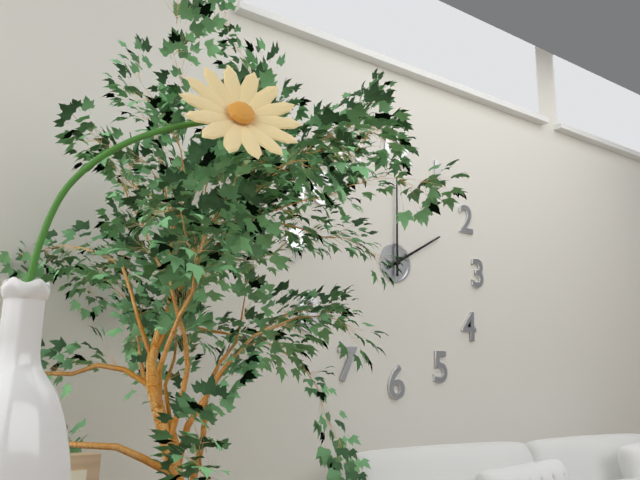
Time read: 2:00
